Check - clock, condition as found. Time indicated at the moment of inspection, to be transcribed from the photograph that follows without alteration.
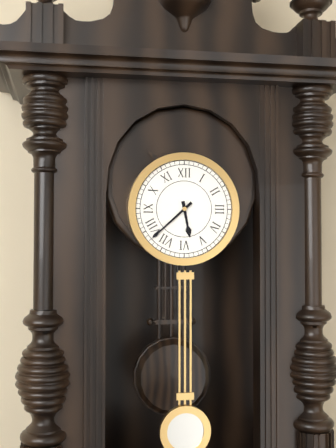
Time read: 5:38
